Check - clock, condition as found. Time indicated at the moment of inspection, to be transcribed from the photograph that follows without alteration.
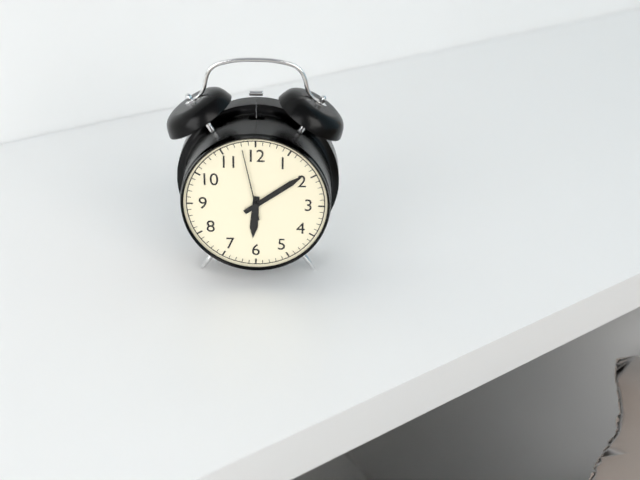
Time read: 6:09:58
